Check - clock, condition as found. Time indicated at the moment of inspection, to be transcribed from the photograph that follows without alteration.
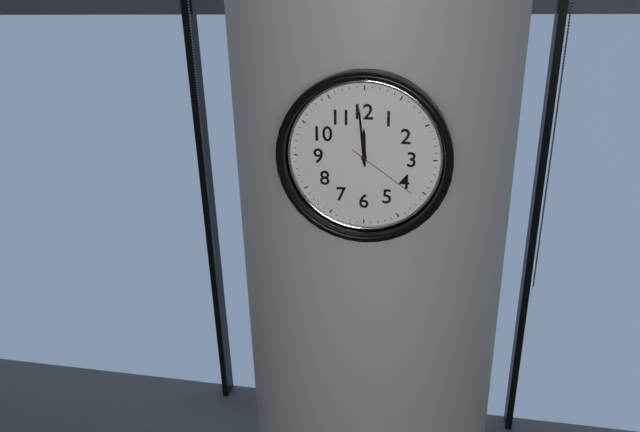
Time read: 11:59:21
